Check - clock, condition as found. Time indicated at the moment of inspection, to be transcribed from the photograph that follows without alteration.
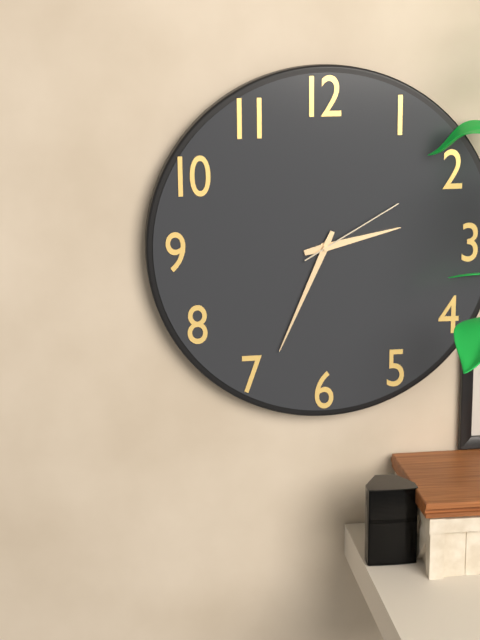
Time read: 2:34:10
